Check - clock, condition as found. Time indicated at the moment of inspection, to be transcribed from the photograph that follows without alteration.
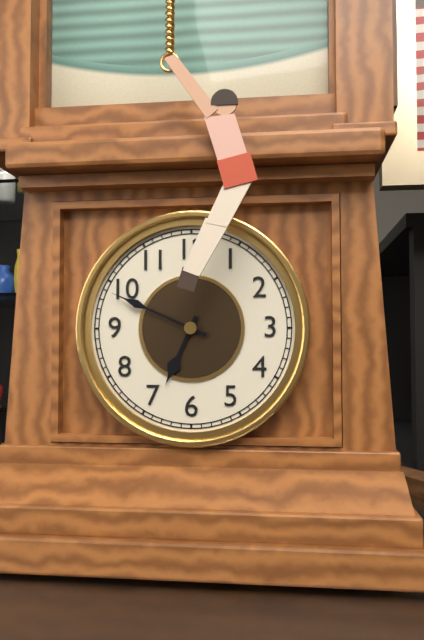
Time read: 6:49
